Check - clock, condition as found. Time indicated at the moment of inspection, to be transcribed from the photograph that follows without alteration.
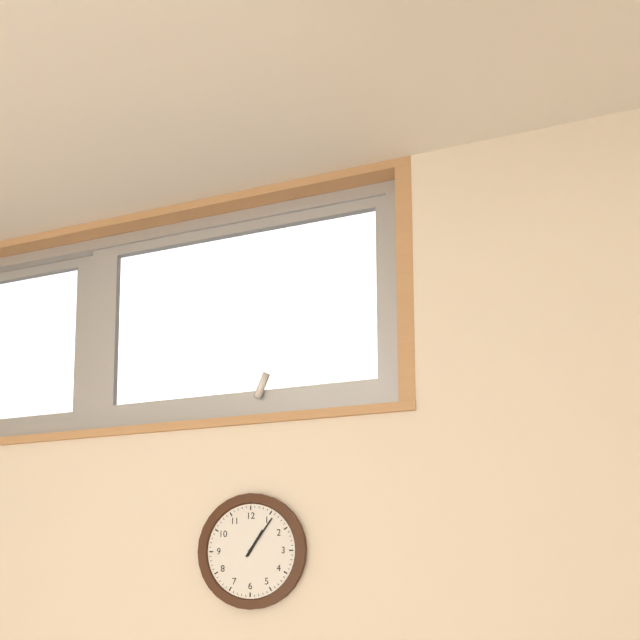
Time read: 1:06
